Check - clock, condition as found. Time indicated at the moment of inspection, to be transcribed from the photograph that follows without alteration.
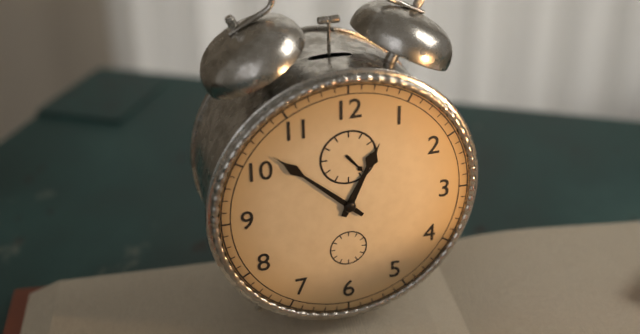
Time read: 12:52
